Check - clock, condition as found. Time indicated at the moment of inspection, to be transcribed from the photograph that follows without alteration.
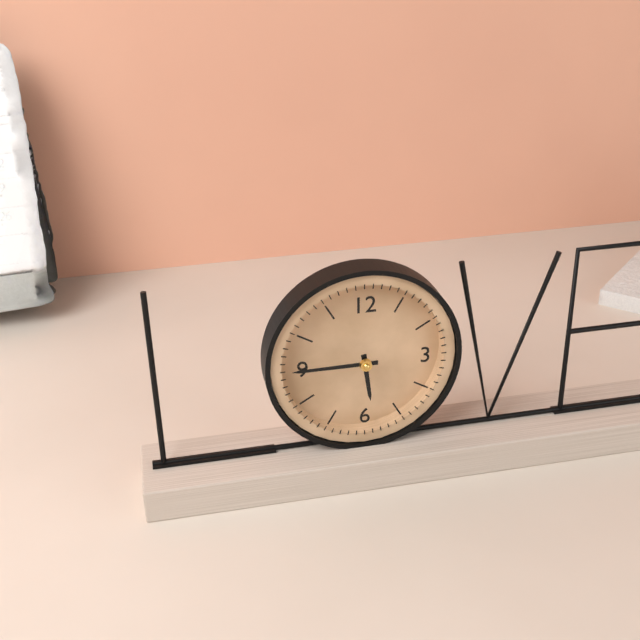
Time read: 5:45
